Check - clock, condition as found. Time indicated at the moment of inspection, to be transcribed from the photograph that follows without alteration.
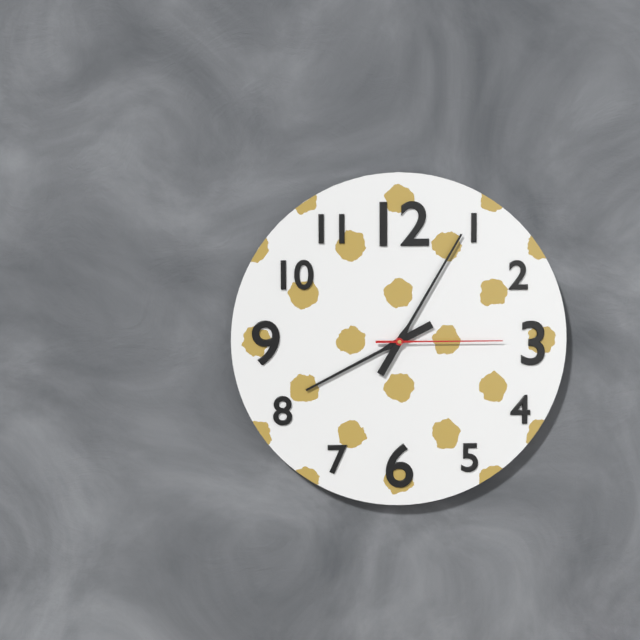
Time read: 8:05:15
